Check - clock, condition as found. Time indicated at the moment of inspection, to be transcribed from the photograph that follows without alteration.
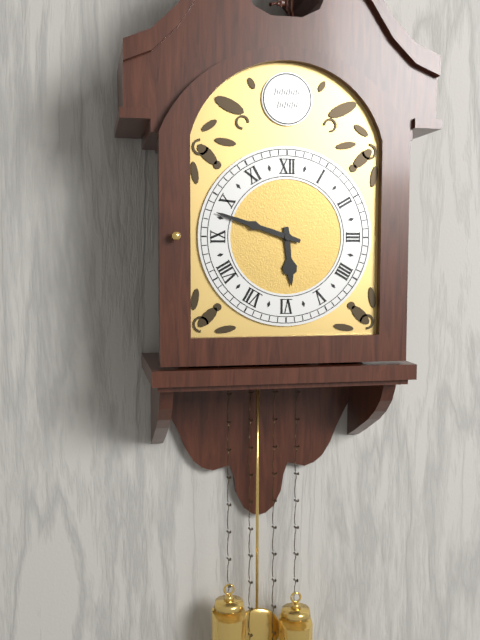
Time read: 5:48
